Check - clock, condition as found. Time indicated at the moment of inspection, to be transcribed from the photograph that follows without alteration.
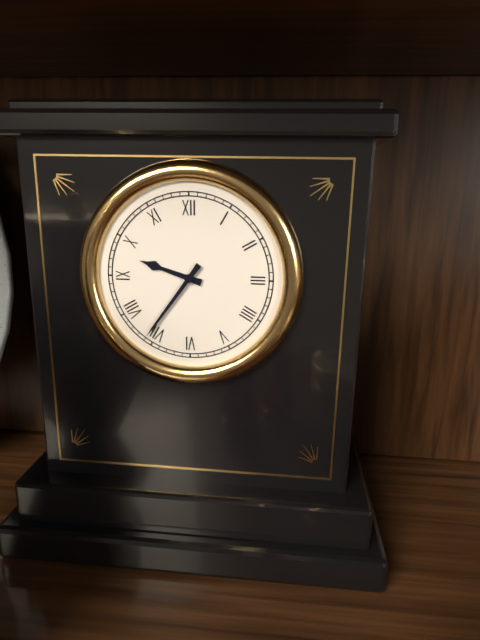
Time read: 9:36
